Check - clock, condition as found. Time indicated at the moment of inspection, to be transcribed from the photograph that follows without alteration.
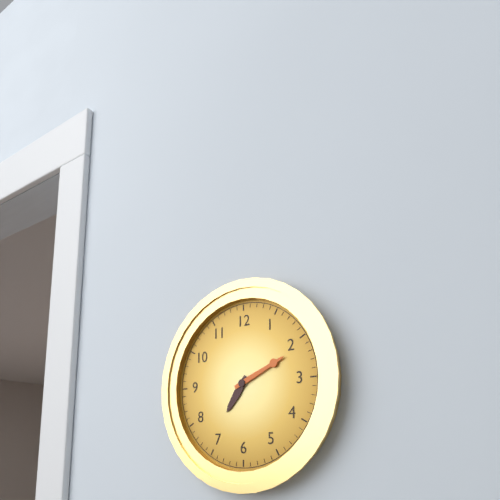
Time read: 7:11
